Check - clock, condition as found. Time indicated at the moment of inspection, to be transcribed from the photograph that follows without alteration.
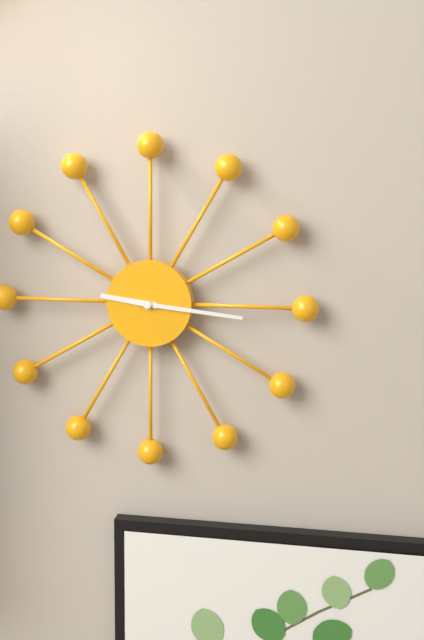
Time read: 9:16
